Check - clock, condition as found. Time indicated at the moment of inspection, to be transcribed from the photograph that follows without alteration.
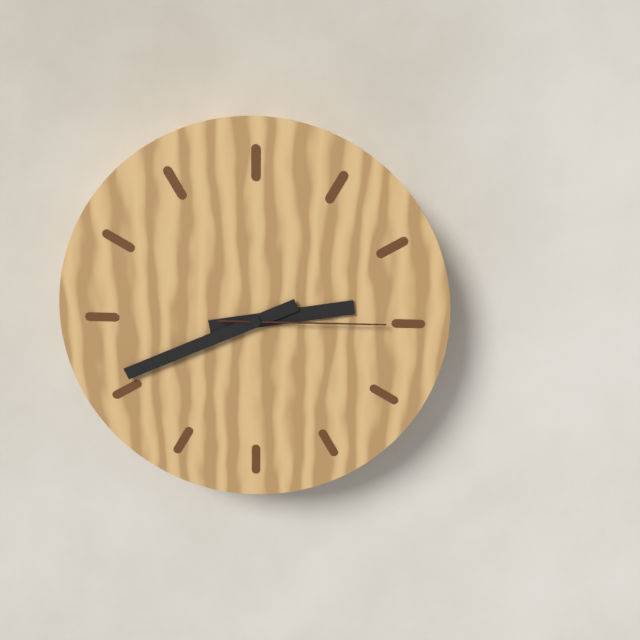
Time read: 2:41:15
